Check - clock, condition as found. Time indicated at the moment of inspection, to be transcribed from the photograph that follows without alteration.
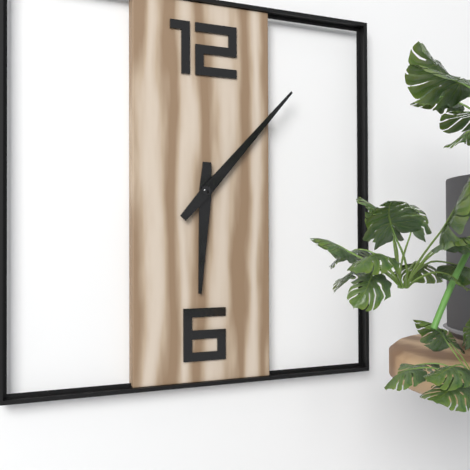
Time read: 6:07
